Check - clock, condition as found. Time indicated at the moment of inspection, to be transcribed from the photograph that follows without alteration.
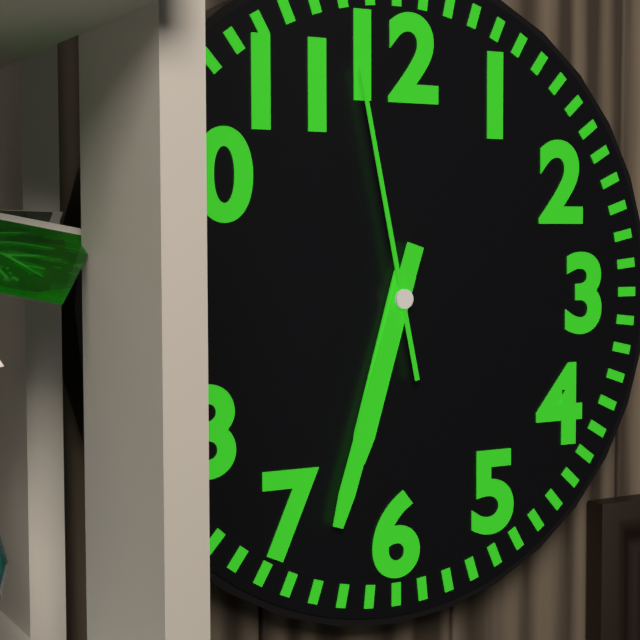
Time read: 6:33:58
